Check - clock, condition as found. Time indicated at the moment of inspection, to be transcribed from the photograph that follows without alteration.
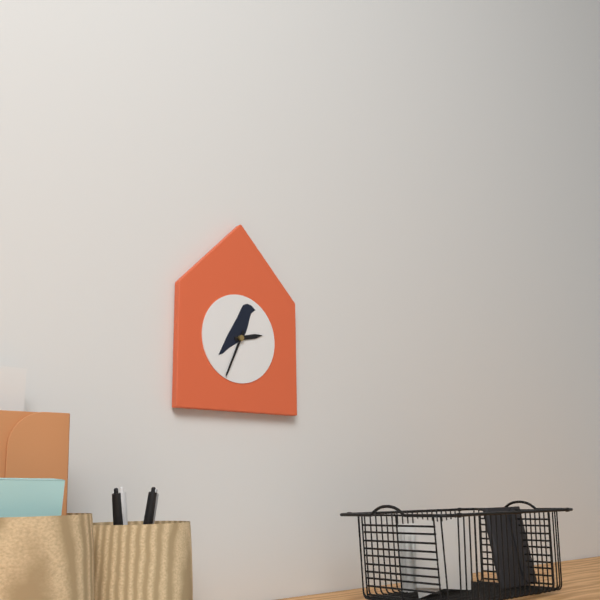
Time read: 2:34
